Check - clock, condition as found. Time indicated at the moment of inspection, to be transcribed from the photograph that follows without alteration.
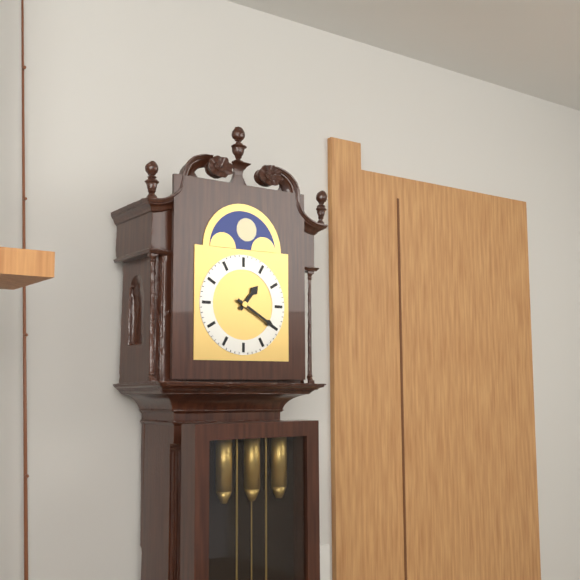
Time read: 1:20
